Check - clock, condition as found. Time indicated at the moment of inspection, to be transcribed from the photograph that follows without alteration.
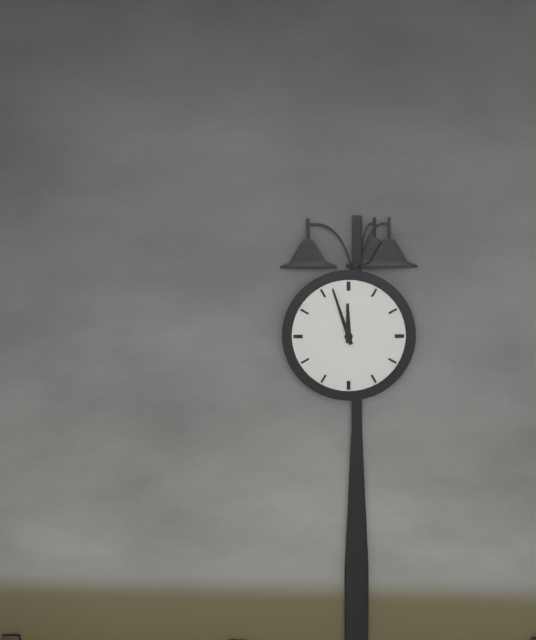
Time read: 11:57
